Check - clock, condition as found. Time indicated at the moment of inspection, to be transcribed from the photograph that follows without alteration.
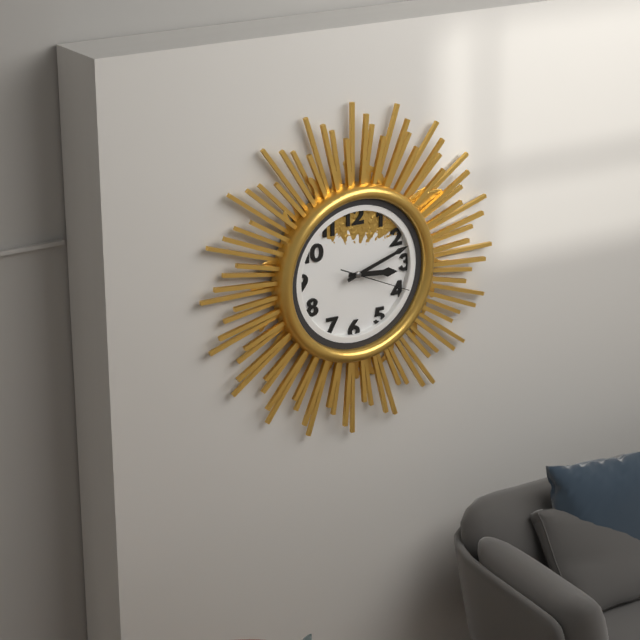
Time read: 3:12:19
